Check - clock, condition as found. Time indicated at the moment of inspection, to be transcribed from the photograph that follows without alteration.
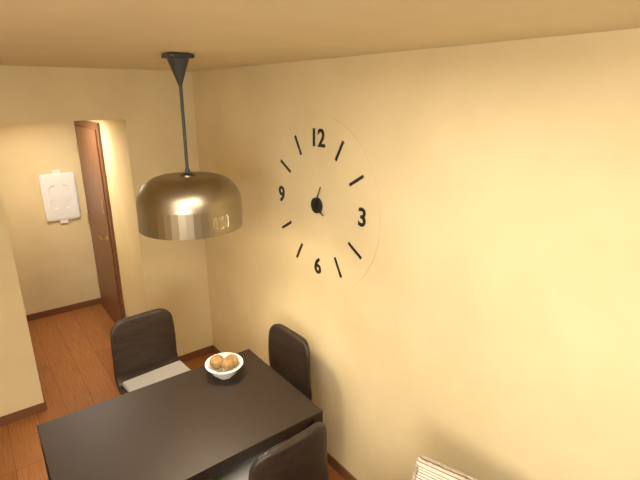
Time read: 4:04
